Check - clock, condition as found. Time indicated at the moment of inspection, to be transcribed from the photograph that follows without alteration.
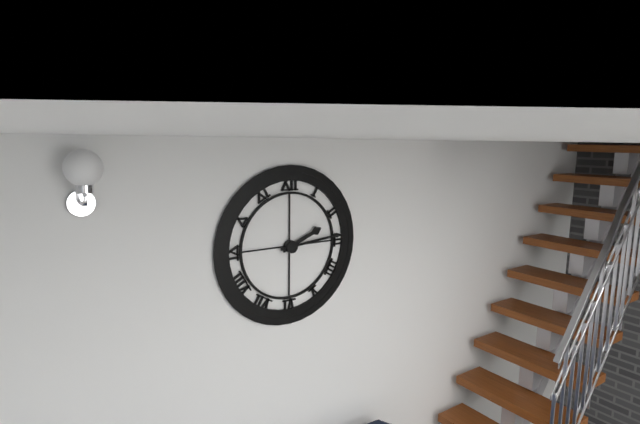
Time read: 2:14
